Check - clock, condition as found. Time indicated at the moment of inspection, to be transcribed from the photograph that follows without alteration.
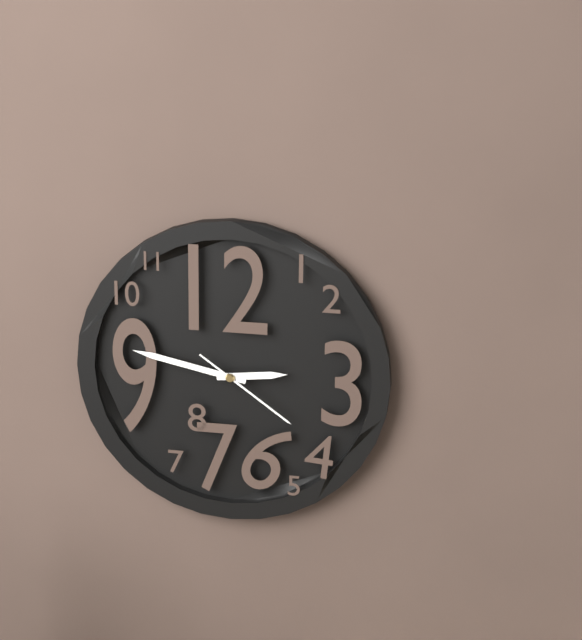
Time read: 2:47:21
